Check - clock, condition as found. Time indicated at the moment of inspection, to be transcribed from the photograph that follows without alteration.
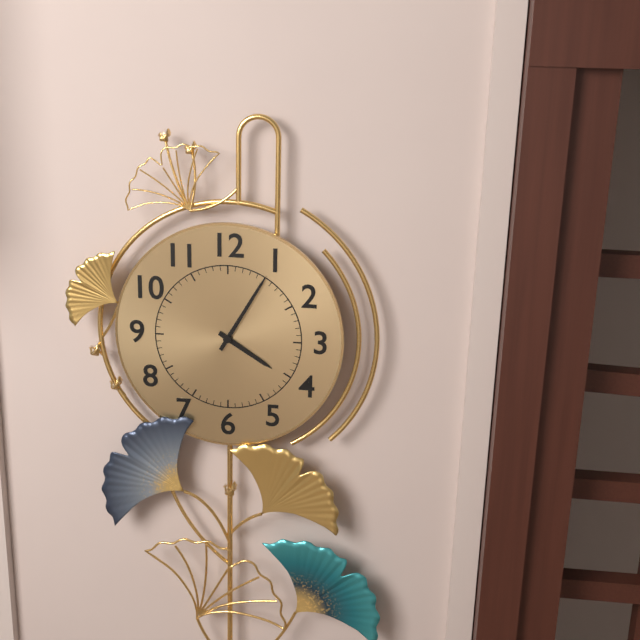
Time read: 4:05
